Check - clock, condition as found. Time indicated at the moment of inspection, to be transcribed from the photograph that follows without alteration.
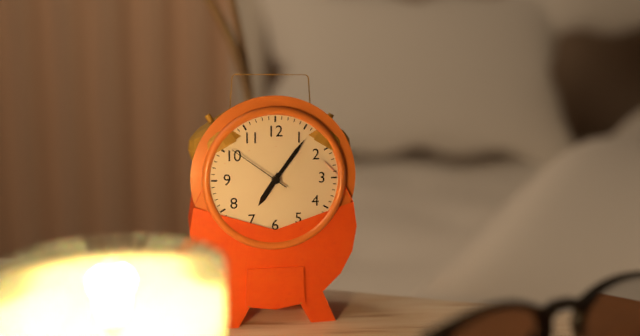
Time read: 7:06:51
